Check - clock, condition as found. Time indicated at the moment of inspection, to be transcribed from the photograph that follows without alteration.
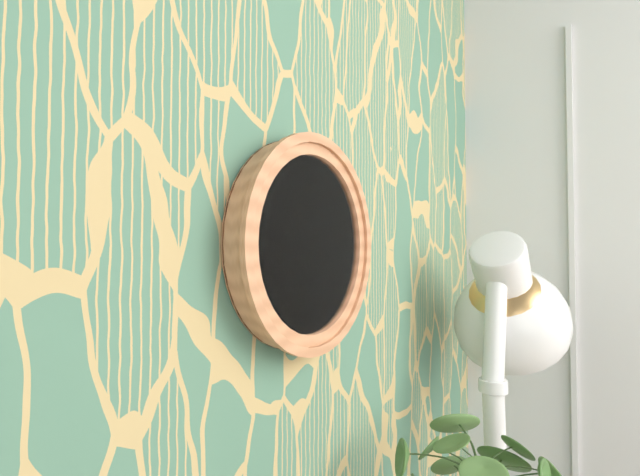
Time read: 7:49
